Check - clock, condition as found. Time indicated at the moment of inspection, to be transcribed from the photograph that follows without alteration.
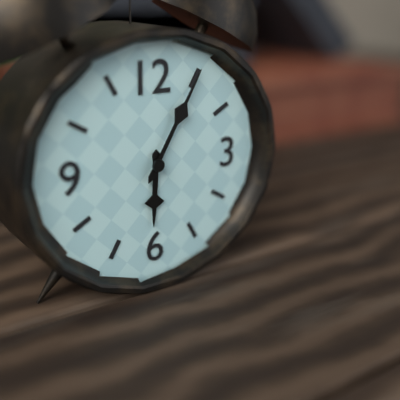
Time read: 6:05
